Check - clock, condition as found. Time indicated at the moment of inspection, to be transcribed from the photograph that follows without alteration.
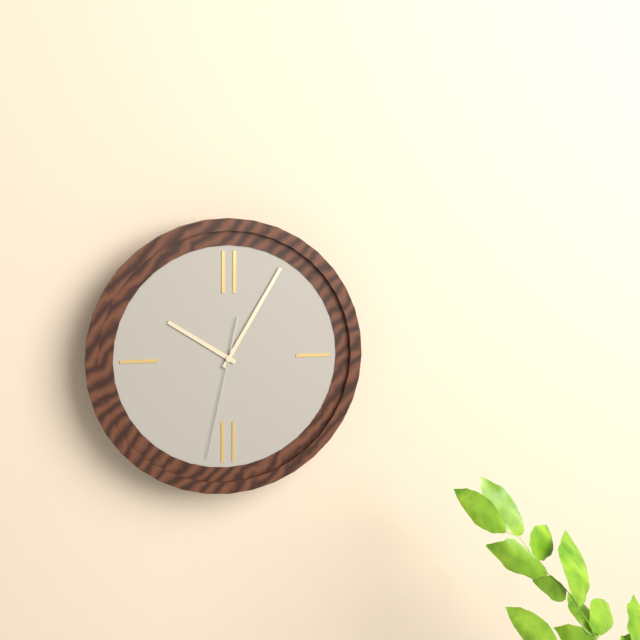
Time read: 10:05:32
